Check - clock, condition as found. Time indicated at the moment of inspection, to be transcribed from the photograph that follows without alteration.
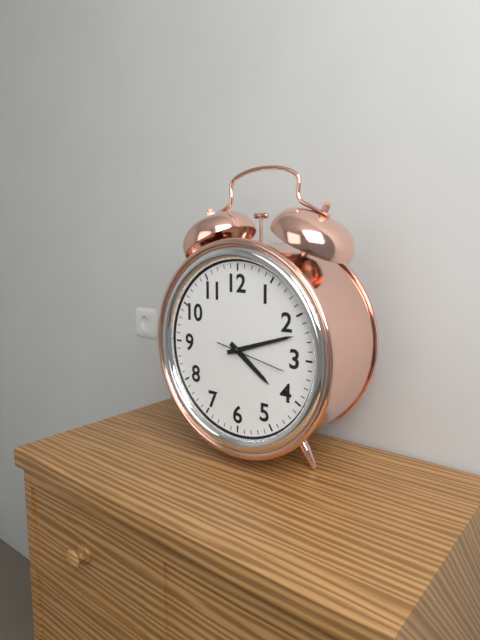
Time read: 4:12:17
